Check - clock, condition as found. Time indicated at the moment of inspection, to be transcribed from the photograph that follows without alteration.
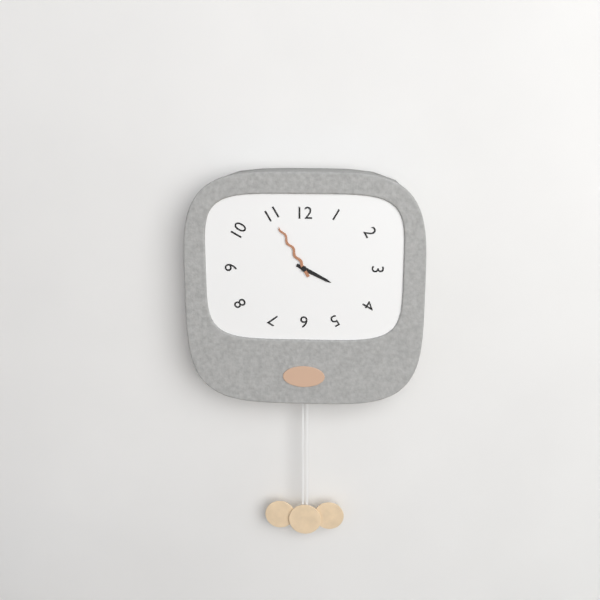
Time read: 3:55
